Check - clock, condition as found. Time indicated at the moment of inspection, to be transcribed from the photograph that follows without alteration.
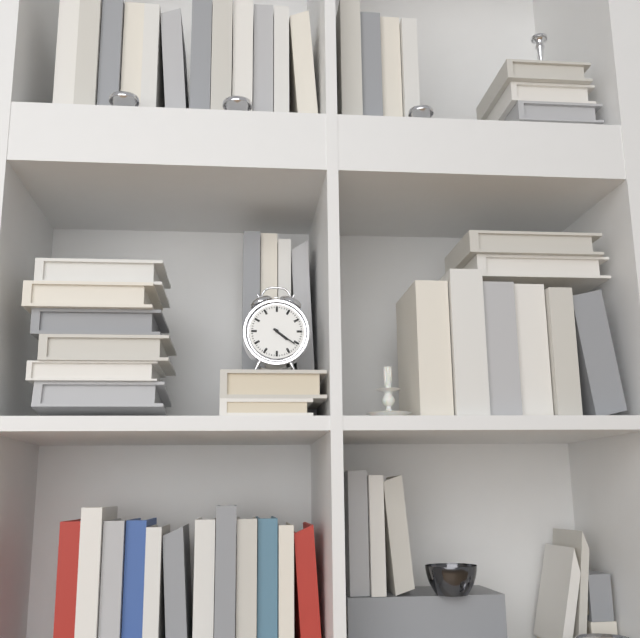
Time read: 4:21
